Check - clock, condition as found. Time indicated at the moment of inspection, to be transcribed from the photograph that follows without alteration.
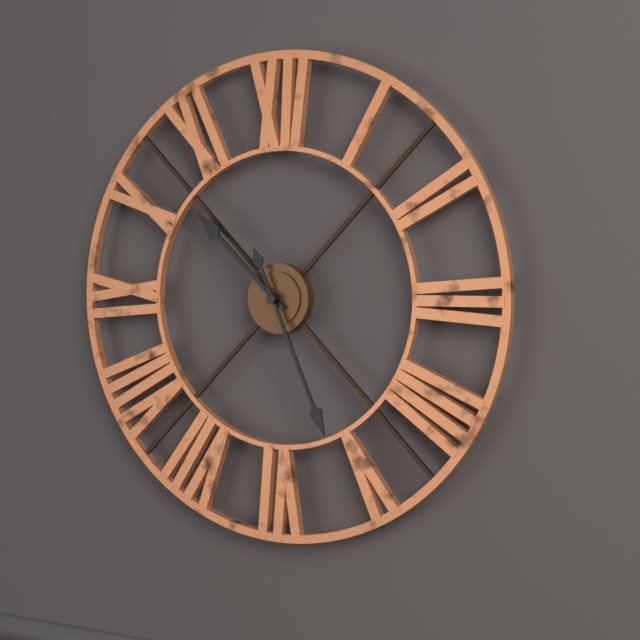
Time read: 10:26
